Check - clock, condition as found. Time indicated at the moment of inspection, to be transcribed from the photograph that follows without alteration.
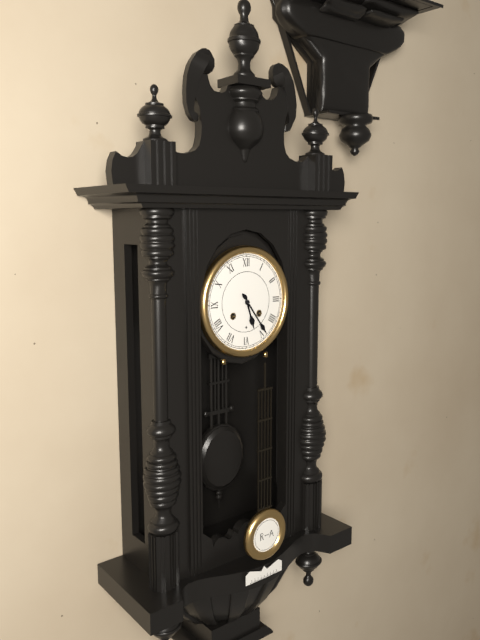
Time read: 5:24
